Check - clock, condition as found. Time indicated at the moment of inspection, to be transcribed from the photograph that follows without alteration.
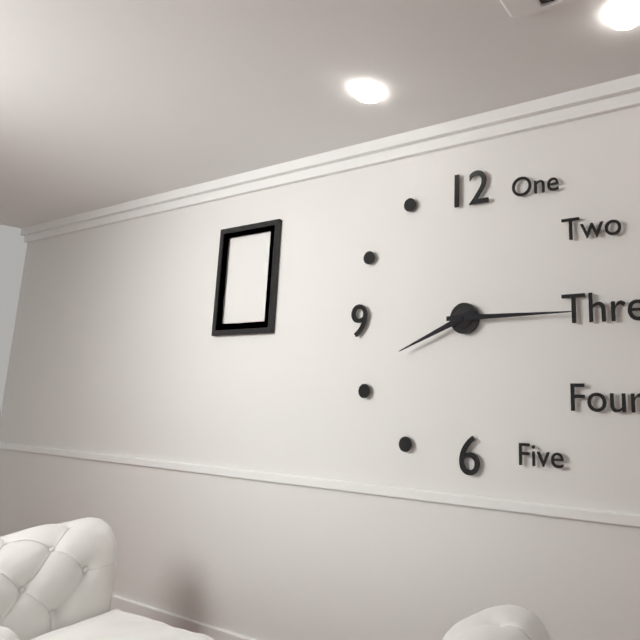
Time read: 8:15
